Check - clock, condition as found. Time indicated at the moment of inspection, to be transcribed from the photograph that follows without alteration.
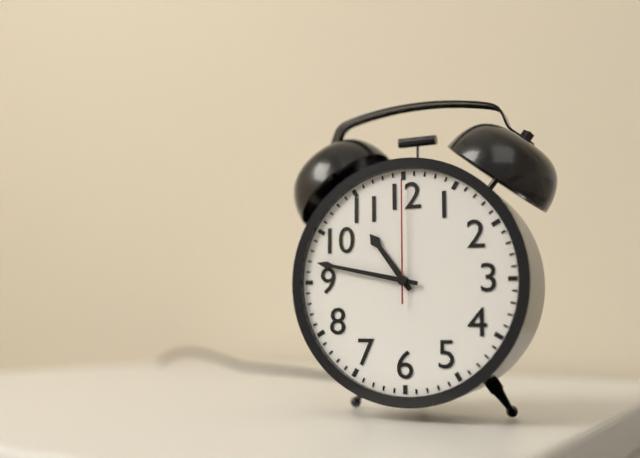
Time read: 10:47:00
